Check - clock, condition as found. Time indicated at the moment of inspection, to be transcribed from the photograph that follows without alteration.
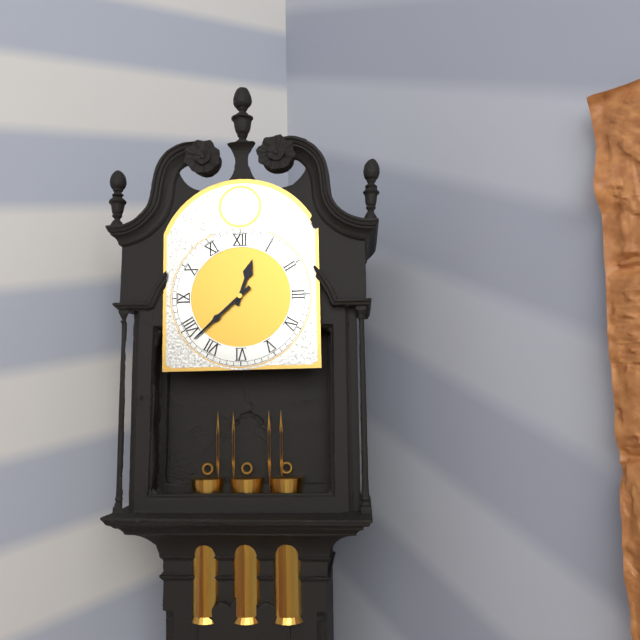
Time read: 12:38
